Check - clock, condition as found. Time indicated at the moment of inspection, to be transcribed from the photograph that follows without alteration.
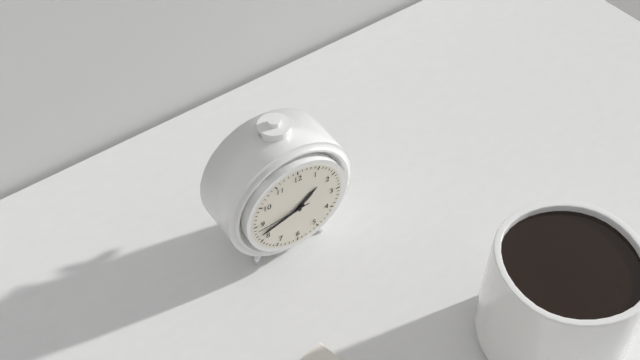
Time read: 1:42:44
